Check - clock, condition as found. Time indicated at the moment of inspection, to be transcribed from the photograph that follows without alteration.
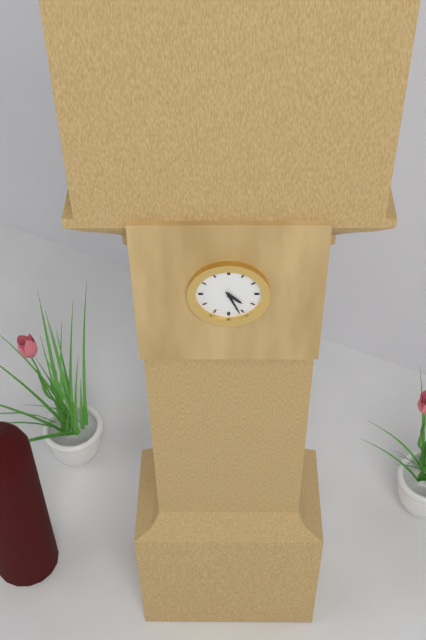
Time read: 4:26
